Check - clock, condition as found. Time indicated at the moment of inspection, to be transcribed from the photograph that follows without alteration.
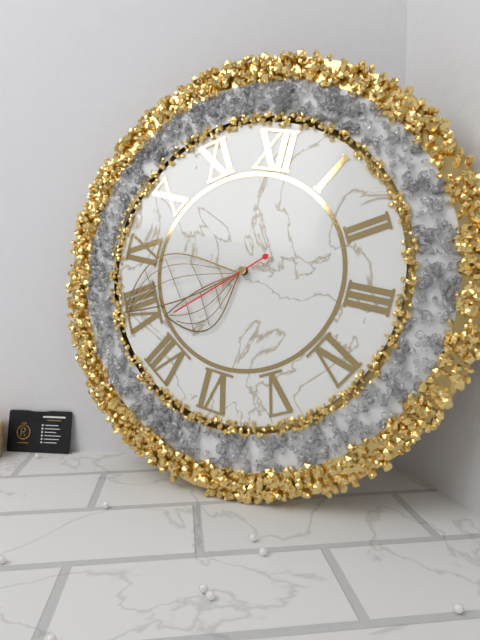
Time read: 7:40:38
